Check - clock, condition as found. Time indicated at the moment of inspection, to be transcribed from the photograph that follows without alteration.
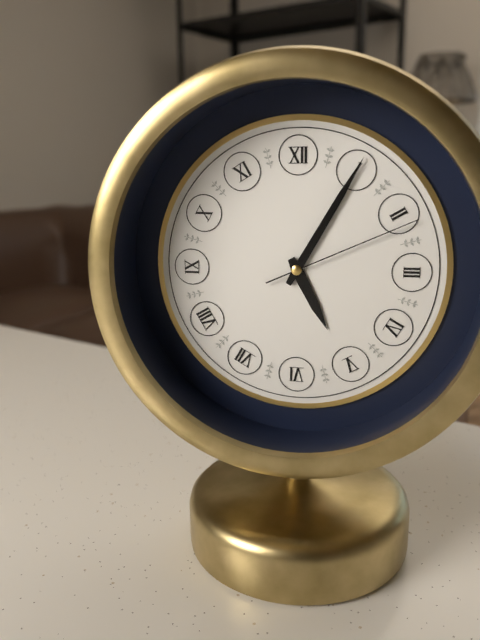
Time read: 5:05:11
